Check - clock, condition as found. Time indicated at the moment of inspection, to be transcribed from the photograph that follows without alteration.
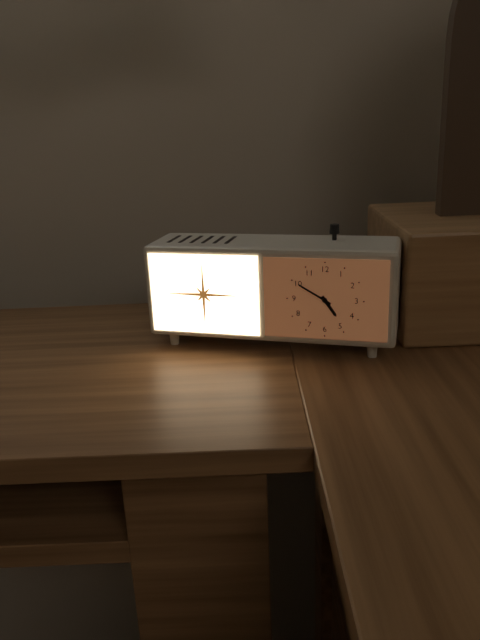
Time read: 4:50
